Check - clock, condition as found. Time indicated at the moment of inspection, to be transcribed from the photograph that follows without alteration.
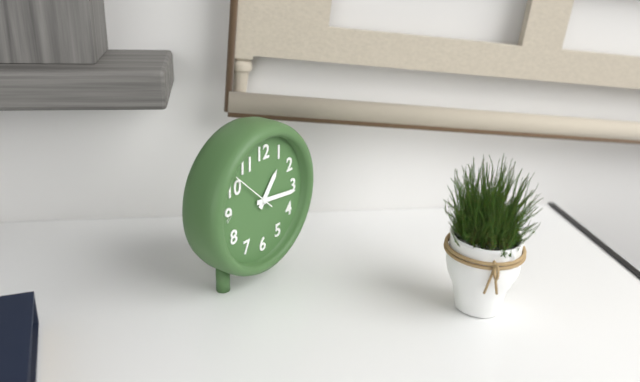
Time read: 1:16
